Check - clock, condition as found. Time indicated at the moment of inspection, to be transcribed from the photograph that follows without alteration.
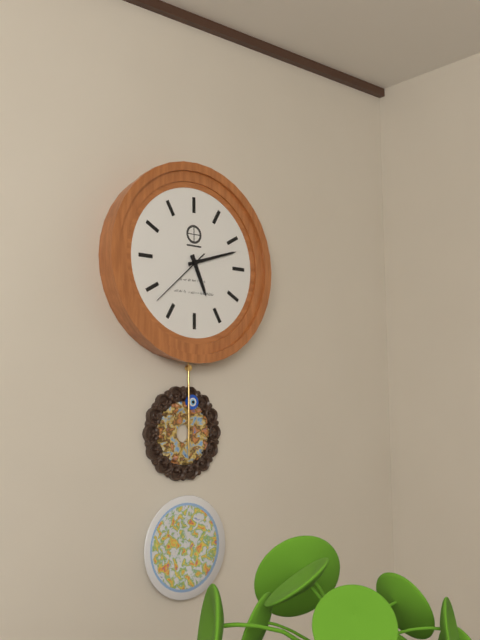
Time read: 5:12:38
